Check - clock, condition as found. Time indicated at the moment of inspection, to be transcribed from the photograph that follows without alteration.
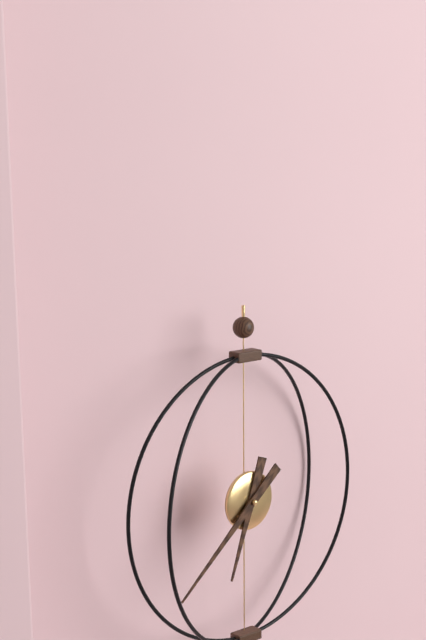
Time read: 6:38
